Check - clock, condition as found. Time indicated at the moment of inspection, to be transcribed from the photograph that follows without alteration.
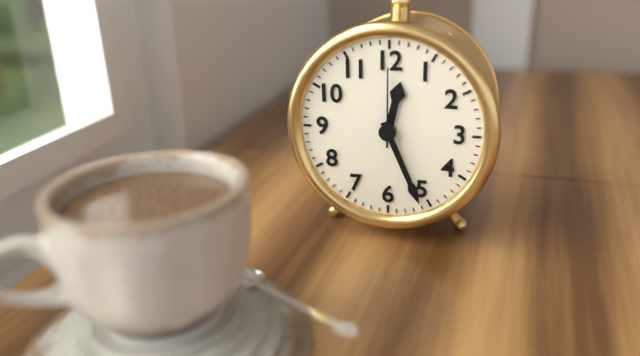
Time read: 12:26:00
